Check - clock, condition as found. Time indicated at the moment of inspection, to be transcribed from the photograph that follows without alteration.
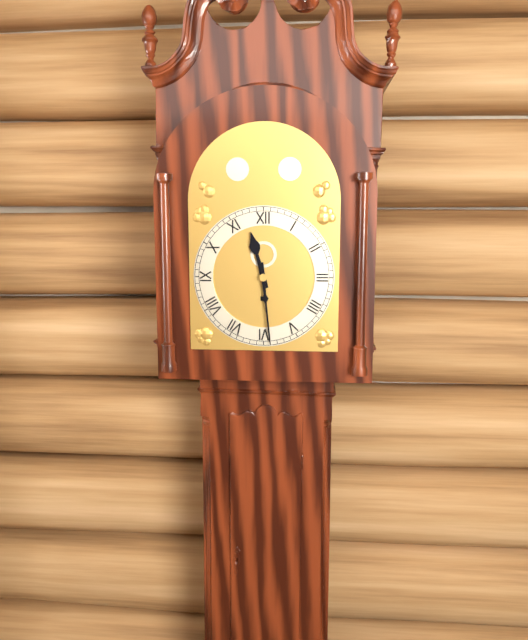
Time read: 11:29
